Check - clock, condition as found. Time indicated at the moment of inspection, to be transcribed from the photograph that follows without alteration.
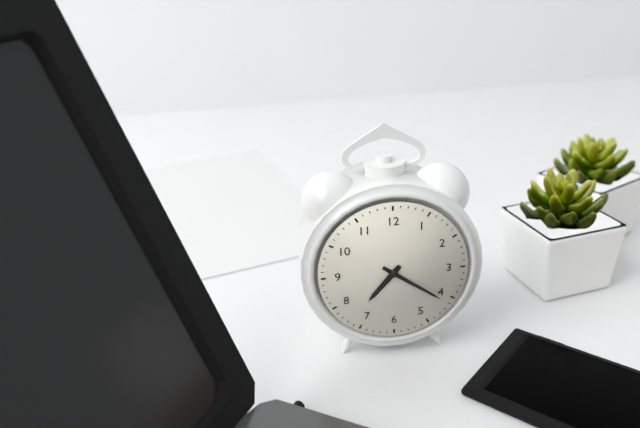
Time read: 7:21
